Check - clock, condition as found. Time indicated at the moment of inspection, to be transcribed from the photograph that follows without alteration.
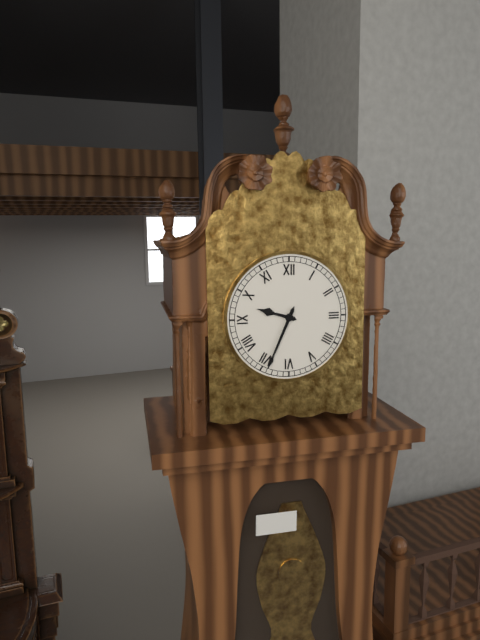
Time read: 9:34
